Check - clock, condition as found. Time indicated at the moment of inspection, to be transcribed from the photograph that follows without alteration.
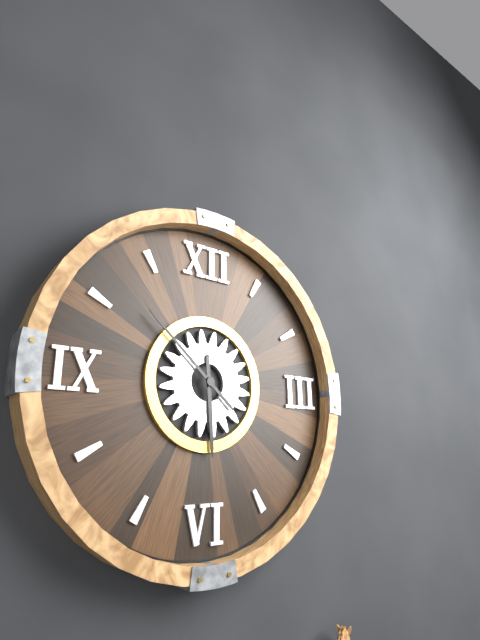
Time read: 5:52
